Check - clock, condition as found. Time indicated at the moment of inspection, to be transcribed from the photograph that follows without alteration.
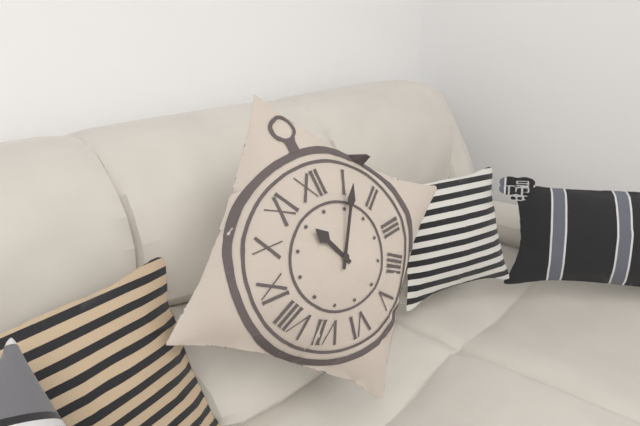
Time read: 11:05
